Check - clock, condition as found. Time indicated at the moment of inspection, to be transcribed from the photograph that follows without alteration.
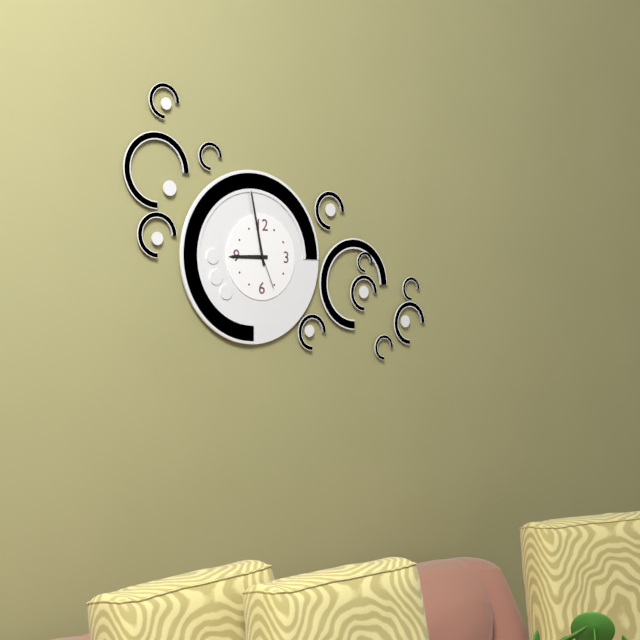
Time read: 8:58
